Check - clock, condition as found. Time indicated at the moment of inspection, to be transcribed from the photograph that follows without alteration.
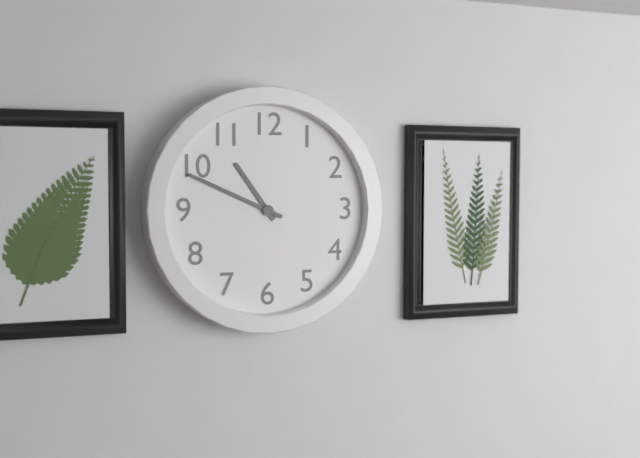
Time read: 10:49
